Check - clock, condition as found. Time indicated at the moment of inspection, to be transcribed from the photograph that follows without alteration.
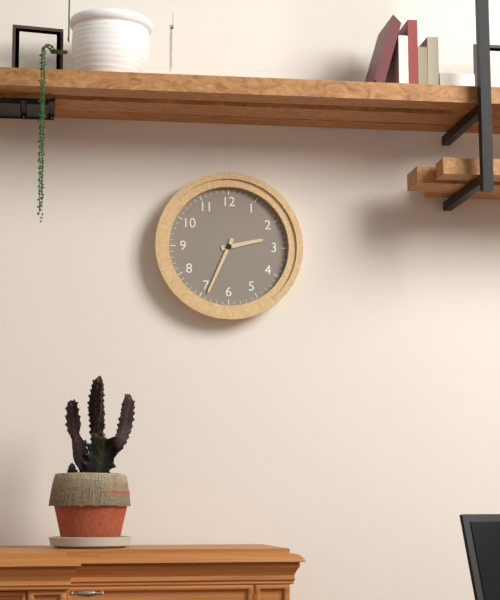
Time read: 2:34
